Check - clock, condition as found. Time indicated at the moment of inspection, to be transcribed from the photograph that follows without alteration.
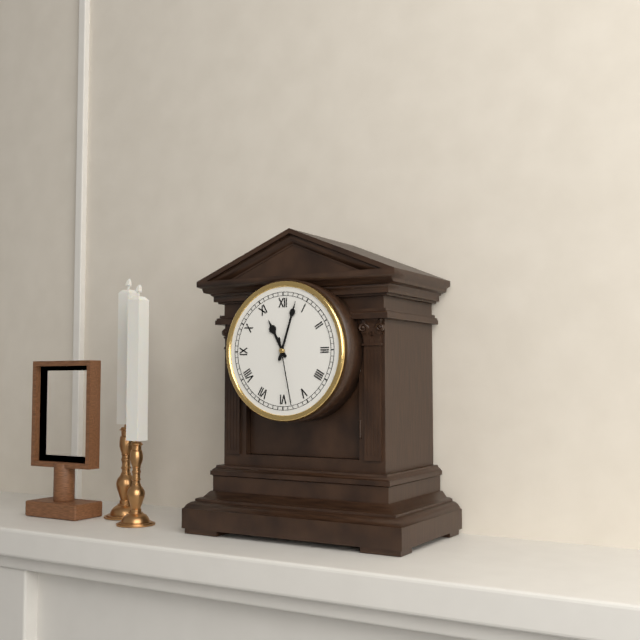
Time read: 11:03:28
